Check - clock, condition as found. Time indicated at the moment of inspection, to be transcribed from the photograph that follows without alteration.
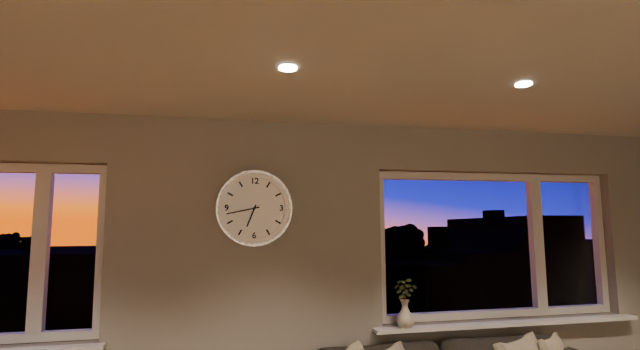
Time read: 6:43
